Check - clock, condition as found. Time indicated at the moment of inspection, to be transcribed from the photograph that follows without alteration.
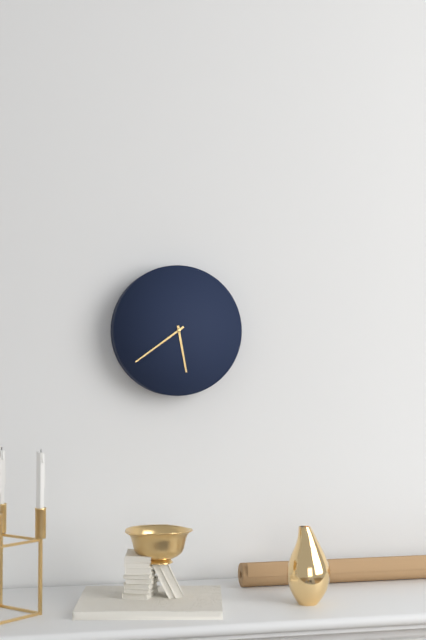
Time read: 5:39
